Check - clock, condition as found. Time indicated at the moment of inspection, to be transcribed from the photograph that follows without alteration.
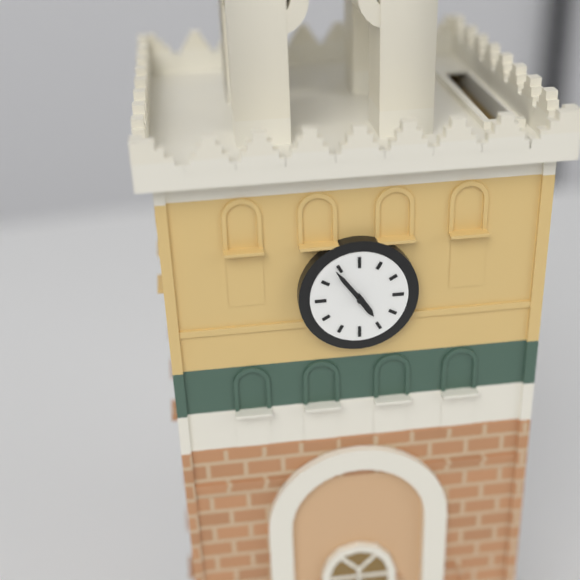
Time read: 4:54
